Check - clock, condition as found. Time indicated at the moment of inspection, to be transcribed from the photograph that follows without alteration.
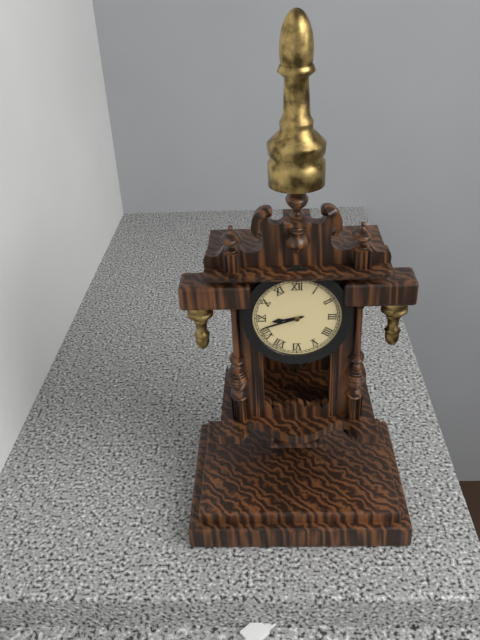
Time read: 8:42
